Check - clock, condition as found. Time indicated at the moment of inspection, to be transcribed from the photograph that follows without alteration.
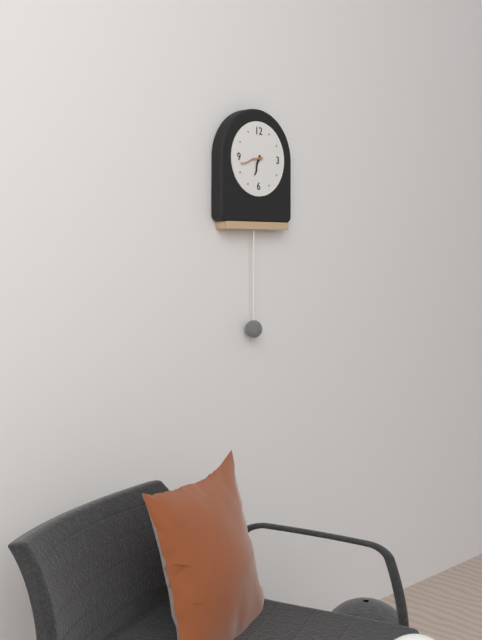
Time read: 6:43
